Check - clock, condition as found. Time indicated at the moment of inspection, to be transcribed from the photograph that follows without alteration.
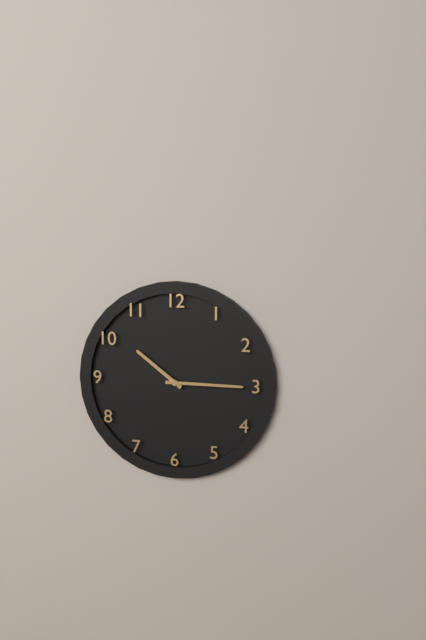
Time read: 10:15
